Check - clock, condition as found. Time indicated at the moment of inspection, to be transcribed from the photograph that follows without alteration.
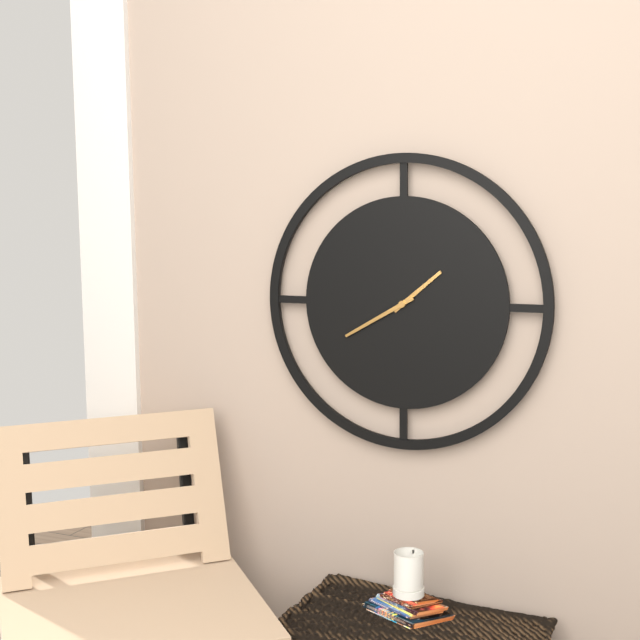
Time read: 1:40
